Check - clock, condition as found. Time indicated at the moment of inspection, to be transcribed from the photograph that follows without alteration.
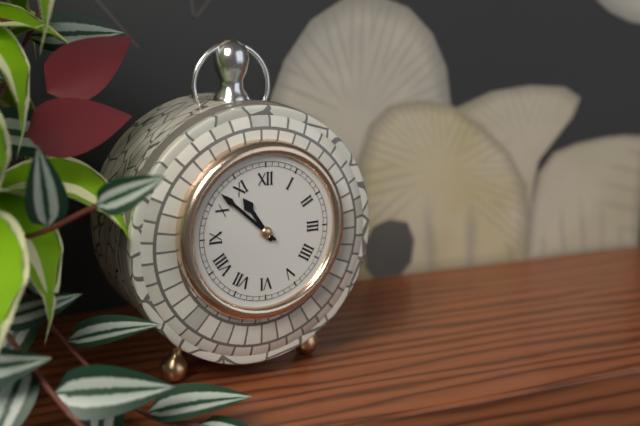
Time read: 10:52
